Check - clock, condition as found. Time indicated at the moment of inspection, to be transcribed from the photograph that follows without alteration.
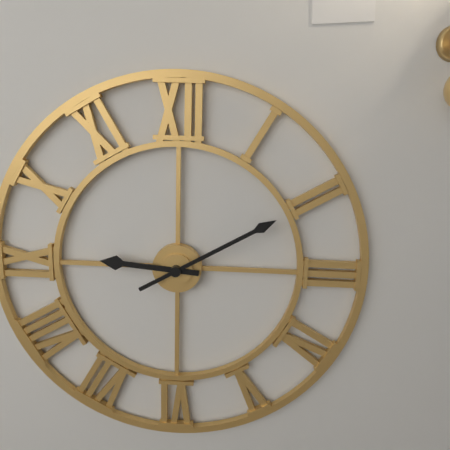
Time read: 9:10
